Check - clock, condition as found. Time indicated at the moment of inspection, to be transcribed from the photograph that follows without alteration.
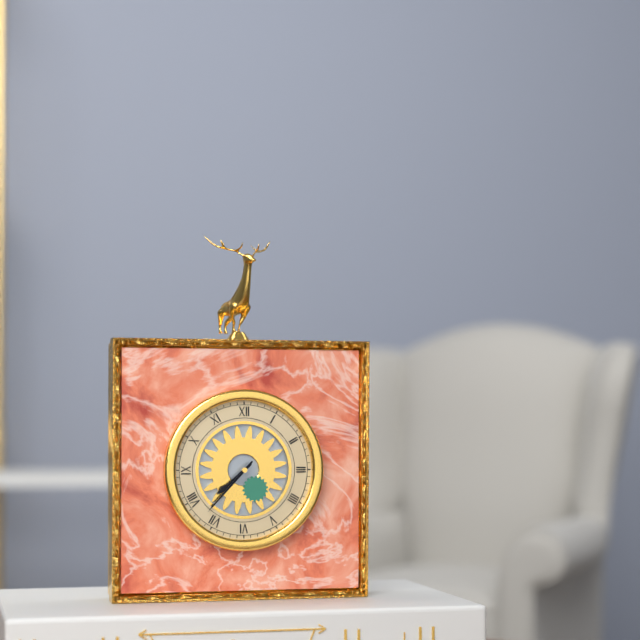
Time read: 7:37
